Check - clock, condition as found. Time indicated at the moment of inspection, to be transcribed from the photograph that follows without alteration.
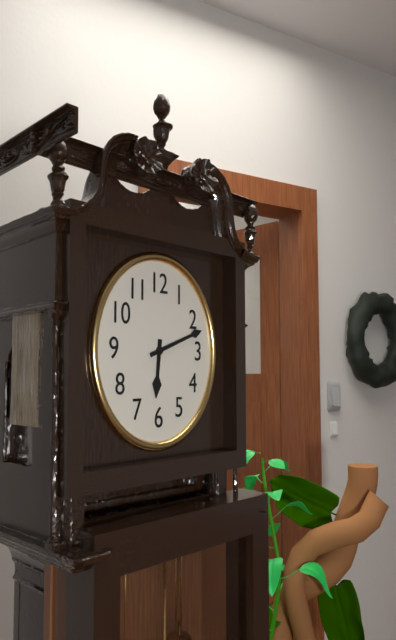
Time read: 6:12
